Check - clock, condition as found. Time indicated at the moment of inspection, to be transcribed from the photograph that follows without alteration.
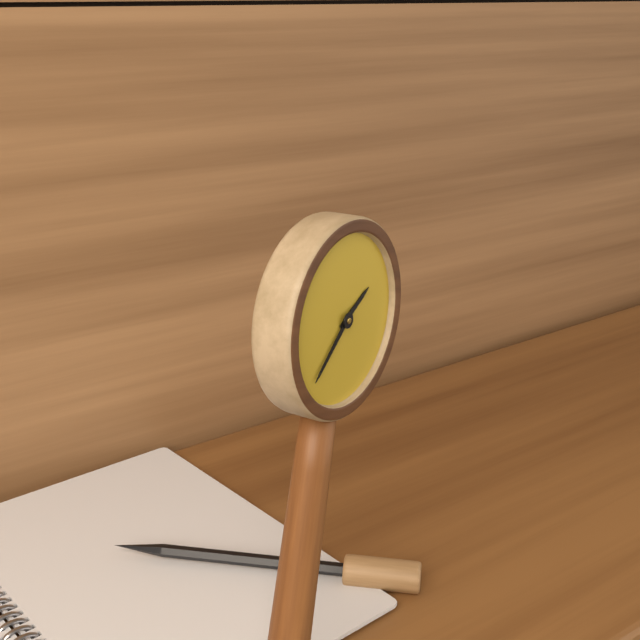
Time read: 1:36
